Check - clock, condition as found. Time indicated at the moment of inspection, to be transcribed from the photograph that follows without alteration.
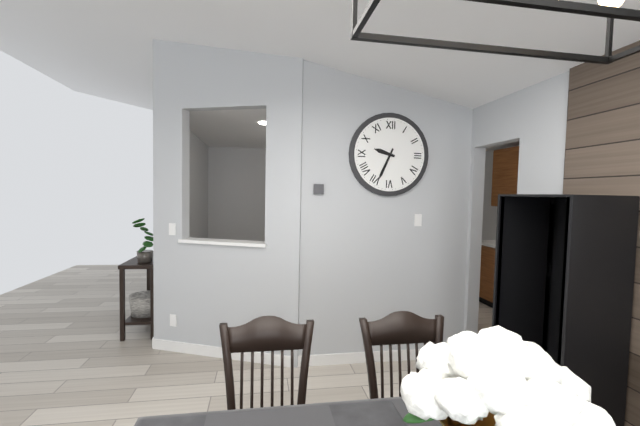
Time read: 9:34
